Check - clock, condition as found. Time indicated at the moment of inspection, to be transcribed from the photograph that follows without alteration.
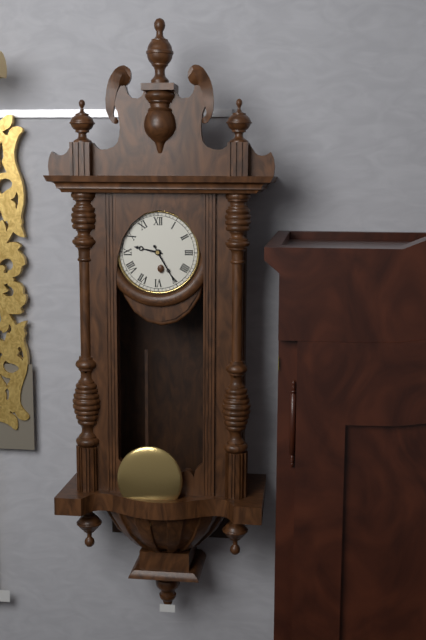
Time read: 9:25
